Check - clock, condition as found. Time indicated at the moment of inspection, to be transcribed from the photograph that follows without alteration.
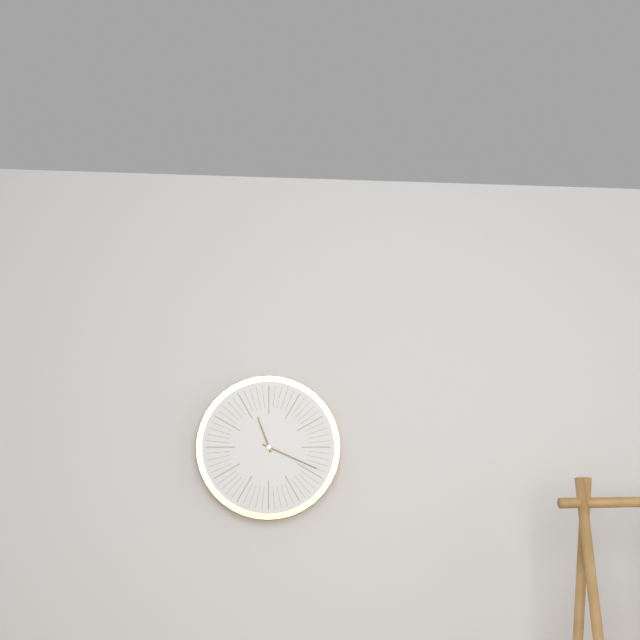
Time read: 11:19
